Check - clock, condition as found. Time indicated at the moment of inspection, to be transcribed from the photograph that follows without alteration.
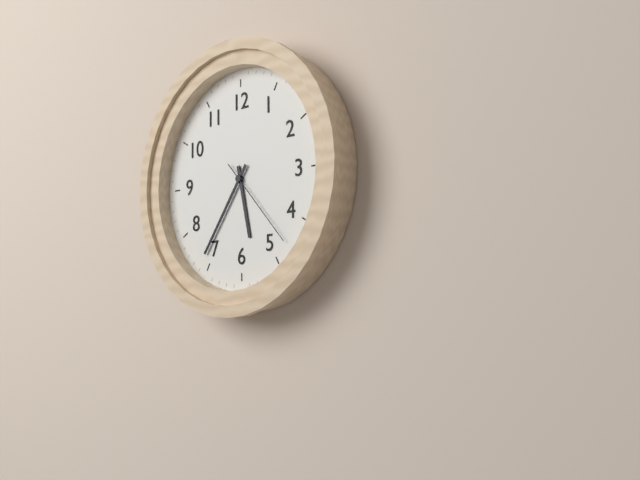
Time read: 5:36:23
